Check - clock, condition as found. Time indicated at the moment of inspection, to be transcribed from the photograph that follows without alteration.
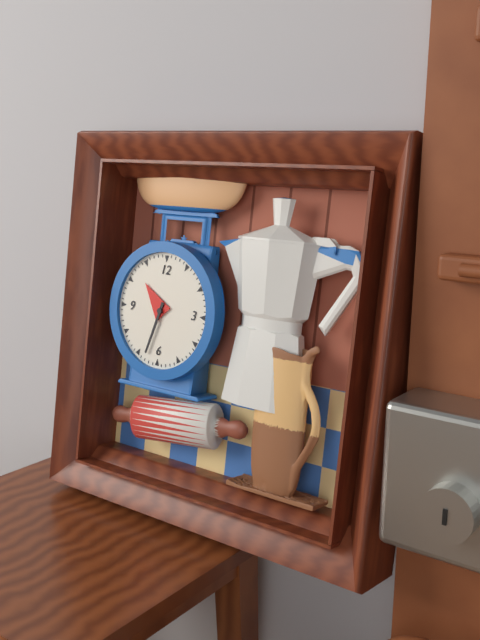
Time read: 10:33
